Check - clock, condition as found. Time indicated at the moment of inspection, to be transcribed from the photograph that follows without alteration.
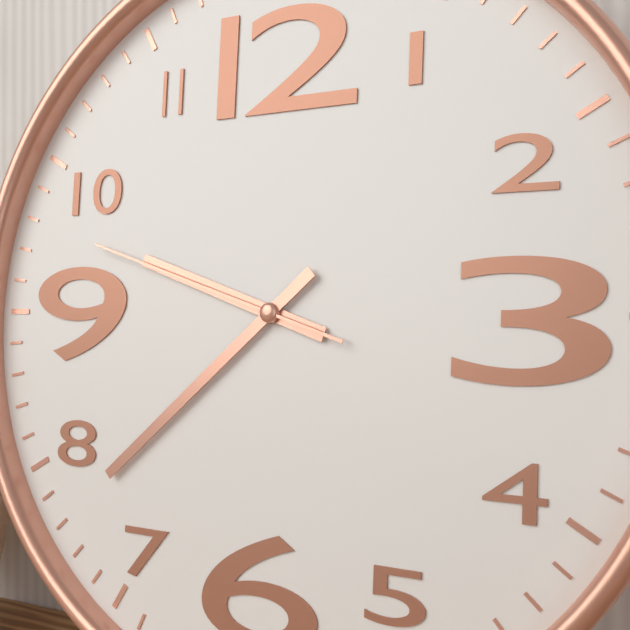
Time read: 9:38:48
